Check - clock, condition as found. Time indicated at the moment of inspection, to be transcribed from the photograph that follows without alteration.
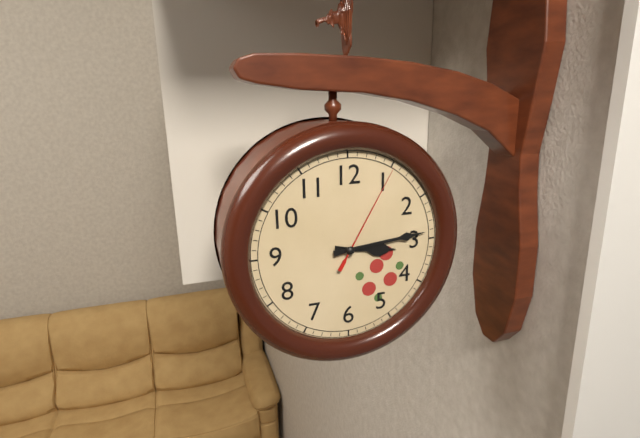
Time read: 3:14:05
